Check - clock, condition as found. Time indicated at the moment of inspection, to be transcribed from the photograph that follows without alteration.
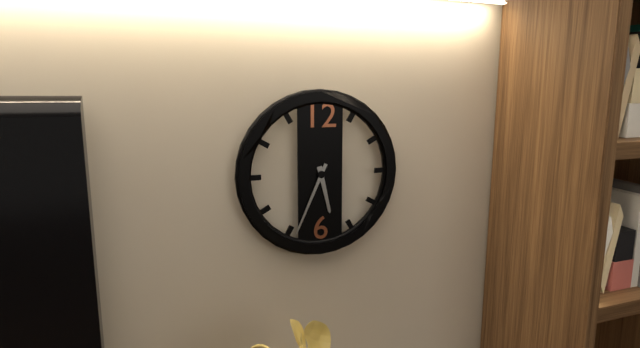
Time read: 5:34
